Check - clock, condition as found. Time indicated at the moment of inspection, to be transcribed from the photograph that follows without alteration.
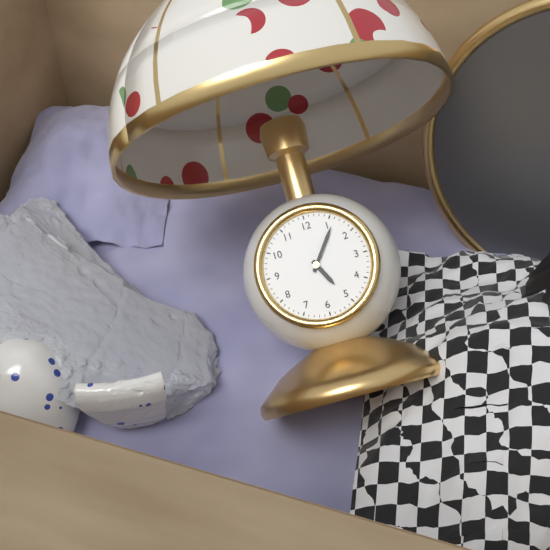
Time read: 5:06
